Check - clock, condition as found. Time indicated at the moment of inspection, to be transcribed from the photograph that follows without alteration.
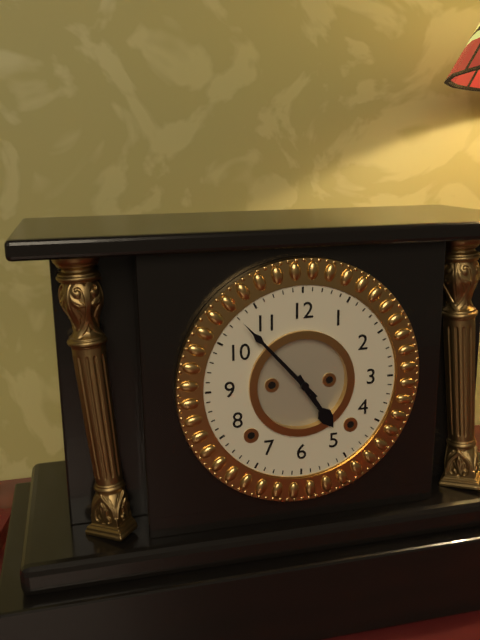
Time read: 4:53
